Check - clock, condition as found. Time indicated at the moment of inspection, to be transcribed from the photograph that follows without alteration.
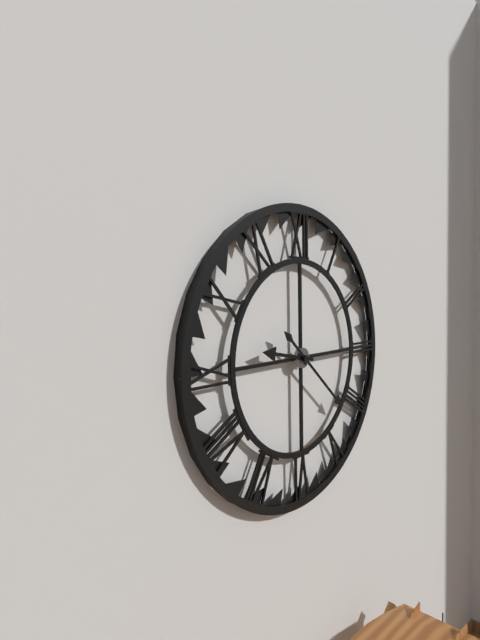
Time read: 9:22
